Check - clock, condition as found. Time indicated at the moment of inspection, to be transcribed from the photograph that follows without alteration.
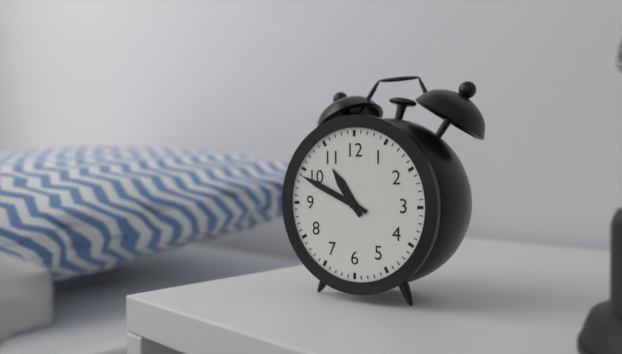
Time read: 10:49
